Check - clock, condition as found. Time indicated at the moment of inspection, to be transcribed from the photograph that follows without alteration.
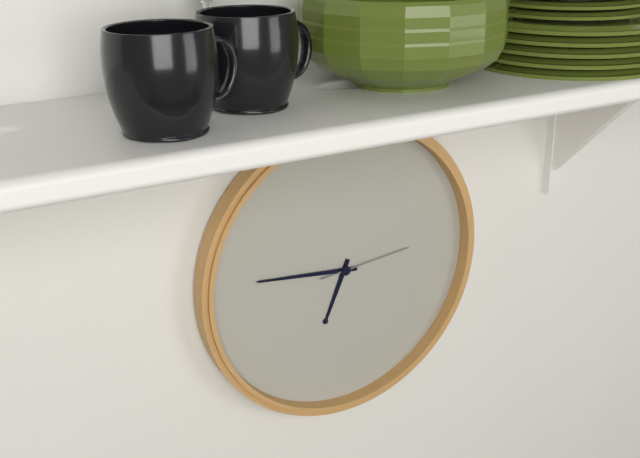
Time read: 6:46:14
